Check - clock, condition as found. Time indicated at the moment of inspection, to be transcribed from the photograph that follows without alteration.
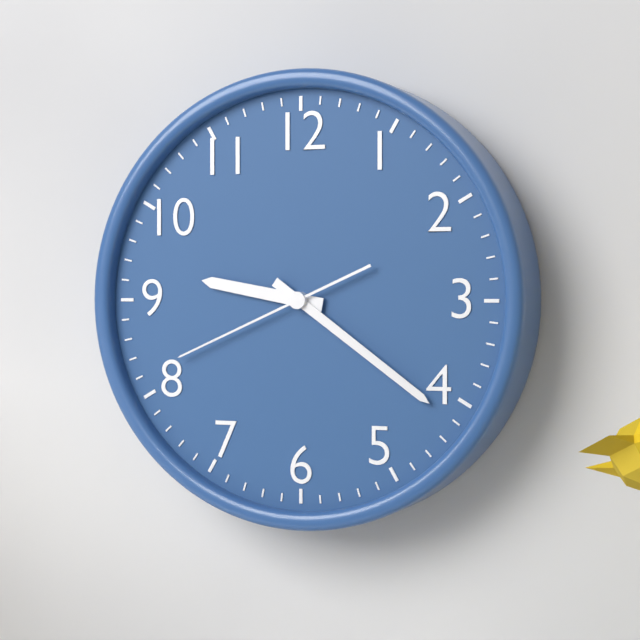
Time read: 9:21:41
